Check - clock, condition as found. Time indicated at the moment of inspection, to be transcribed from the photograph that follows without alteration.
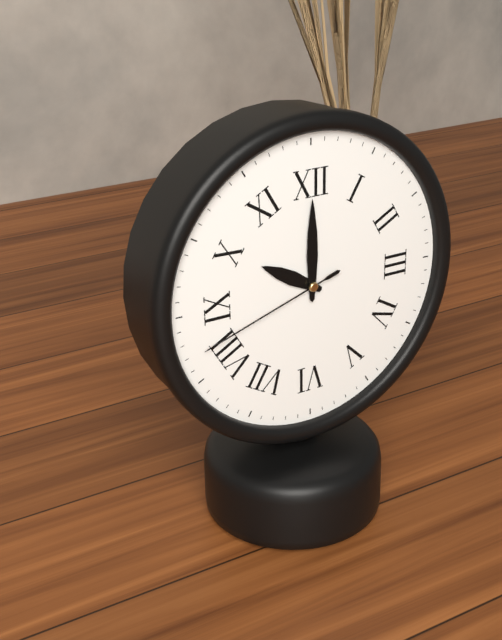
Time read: 10:00:42
